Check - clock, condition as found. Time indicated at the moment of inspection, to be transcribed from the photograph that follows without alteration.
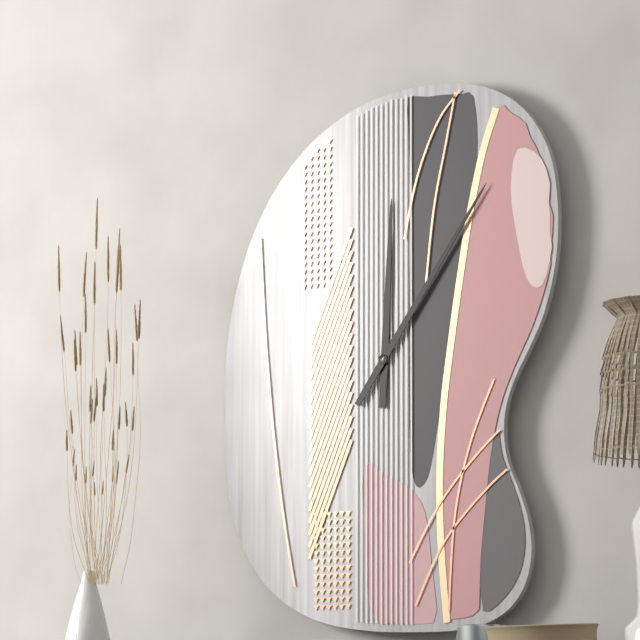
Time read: 12:06
